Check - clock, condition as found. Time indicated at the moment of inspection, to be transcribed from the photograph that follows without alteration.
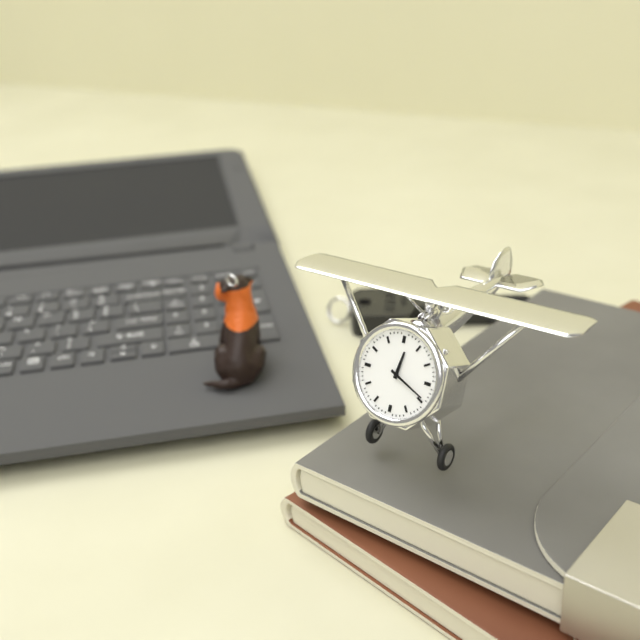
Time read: 12:19
